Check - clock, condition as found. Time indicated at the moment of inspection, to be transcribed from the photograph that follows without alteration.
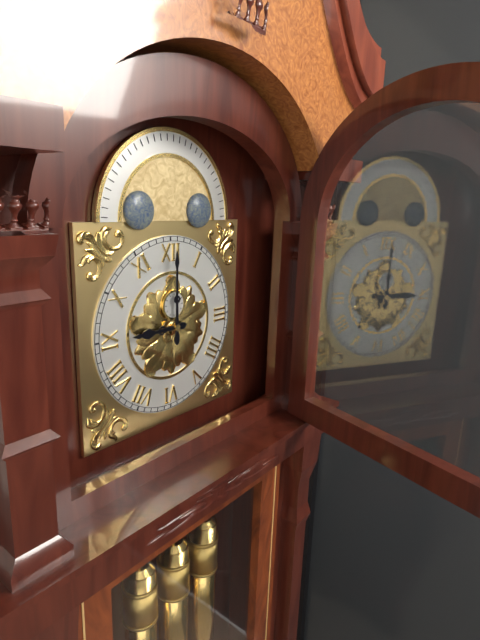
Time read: 9:00
